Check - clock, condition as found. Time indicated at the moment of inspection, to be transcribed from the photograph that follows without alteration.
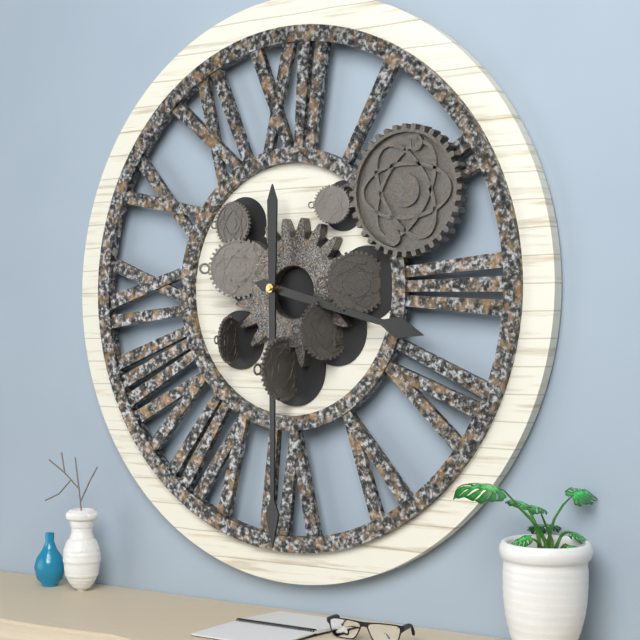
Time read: 3:30
